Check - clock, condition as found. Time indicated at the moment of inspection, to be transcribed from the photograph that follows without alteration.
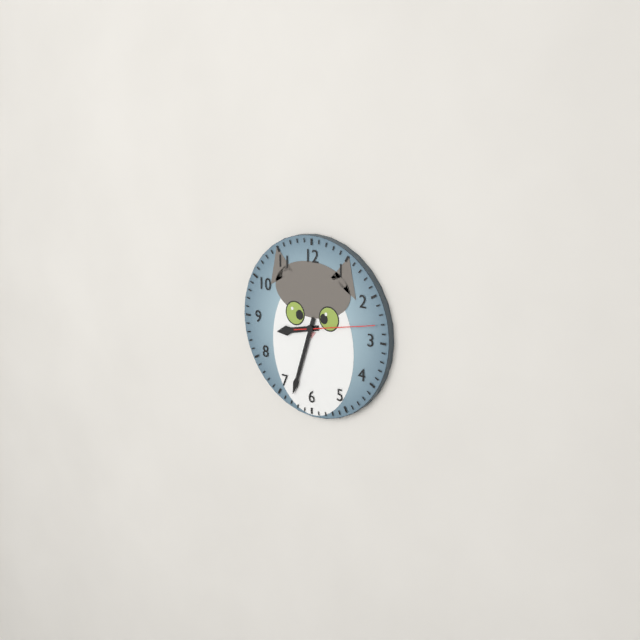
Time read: 8:33:13
